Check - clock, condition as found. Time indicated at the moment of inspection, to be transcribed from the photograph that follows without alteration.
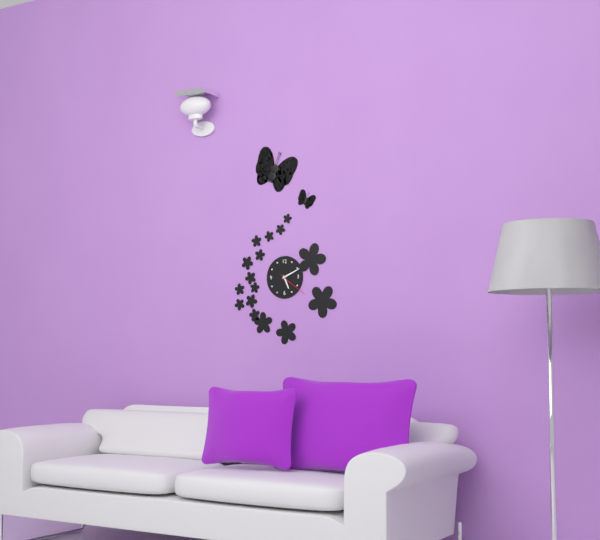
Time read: 5:11
